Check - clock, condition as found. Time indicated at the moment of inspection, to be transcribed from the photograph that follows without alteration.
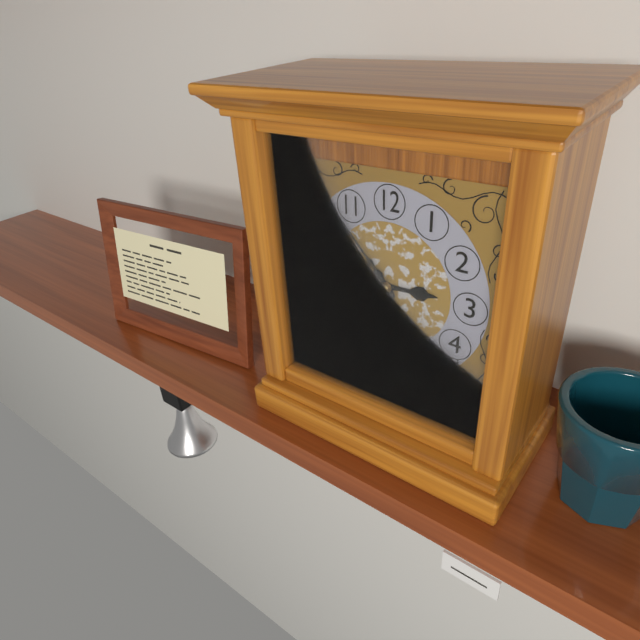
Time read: 2:53
